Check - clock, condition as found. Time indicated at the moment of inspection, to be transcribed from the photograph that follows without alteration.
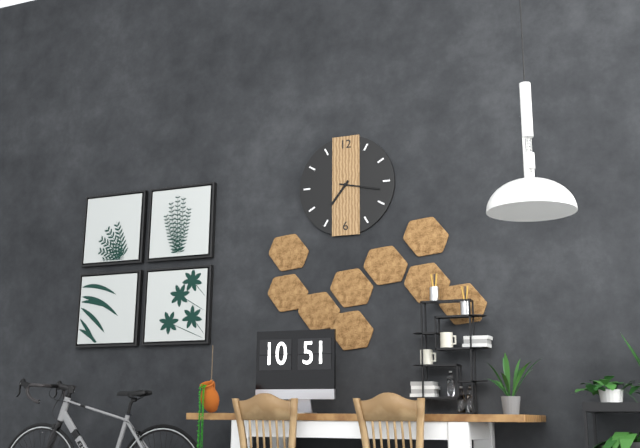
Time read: 7:17
